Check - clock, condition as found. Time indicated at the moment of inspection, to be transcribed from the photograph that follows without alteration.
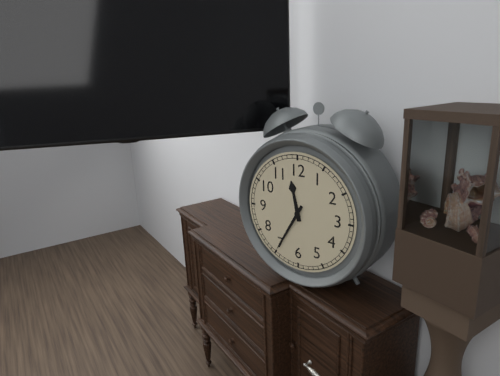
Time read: 11:35
